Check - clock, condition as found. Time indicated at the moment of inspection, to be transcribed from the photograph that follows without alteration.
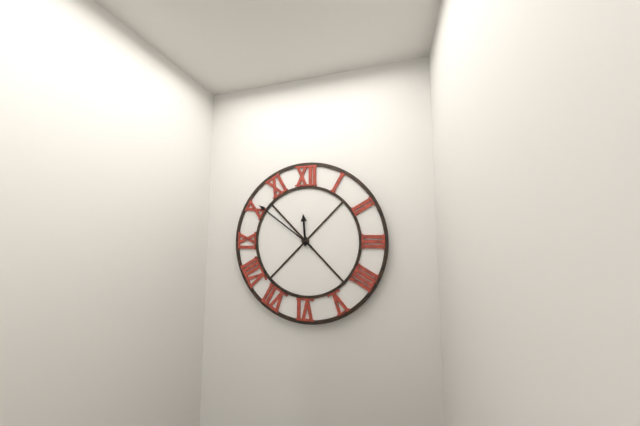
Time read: 11:51
